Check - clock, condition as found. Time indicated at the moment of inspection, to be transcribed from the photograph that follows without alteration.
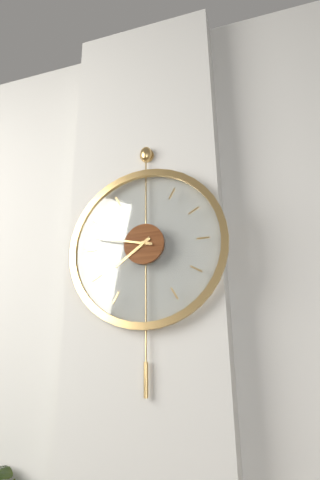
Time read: 7:47
